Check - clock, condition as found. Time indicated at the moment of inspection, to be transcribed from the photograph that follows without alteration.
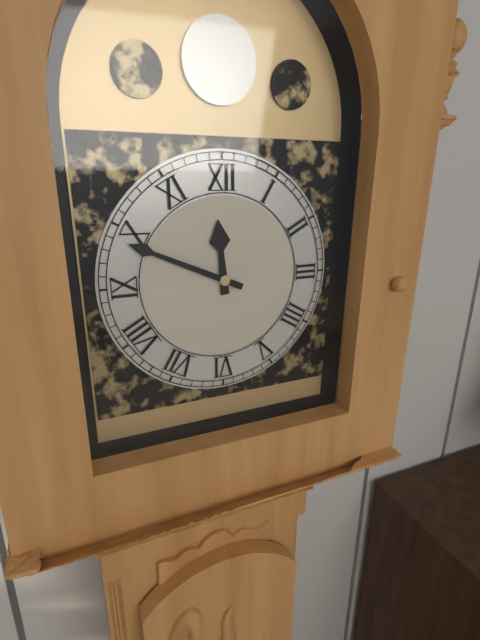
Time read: 11:49
